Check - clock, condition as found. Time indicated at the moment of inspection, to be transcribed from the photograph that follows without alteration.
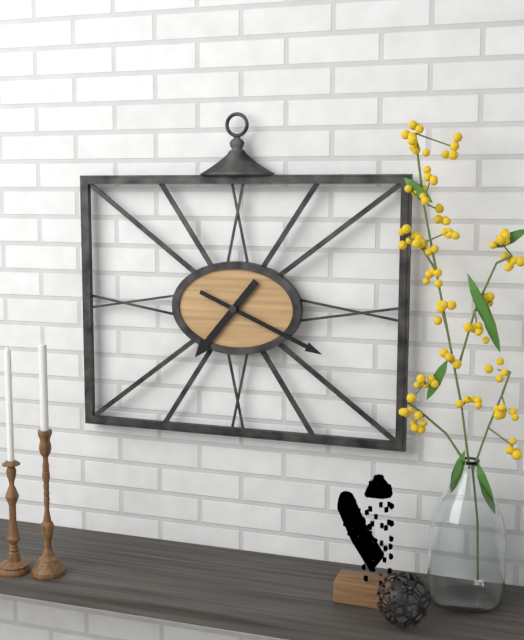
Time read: 7:19
